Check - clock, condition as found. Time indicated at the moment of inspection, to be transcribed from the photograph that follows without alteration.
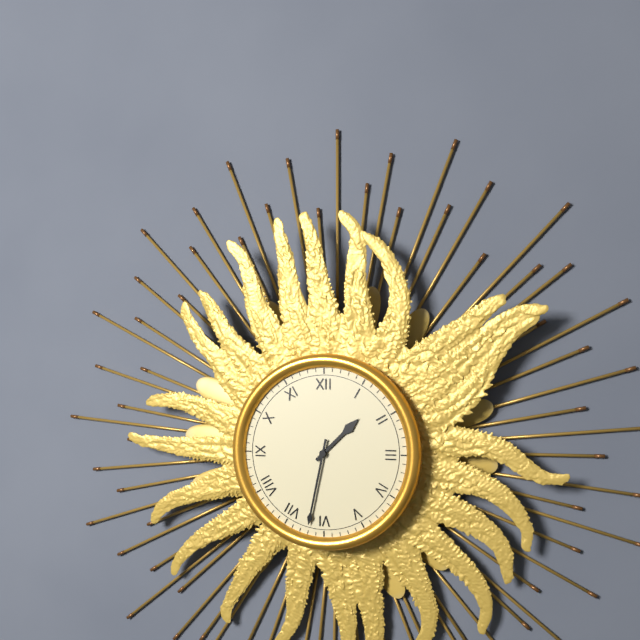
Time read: 1:32
